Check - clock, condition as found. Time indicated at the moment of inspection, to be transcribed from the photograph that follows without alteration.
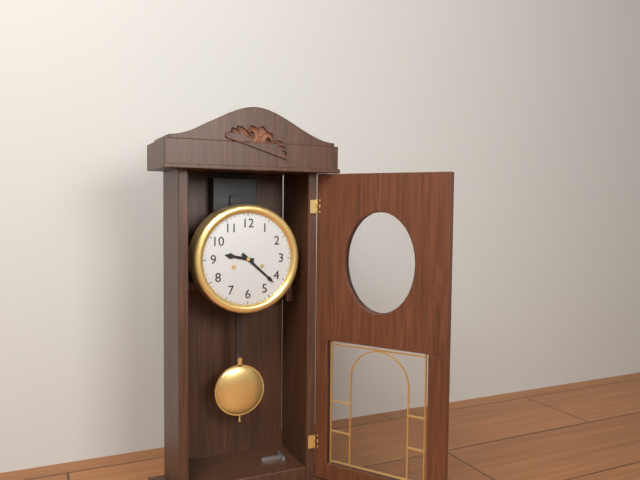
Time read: 9:22
